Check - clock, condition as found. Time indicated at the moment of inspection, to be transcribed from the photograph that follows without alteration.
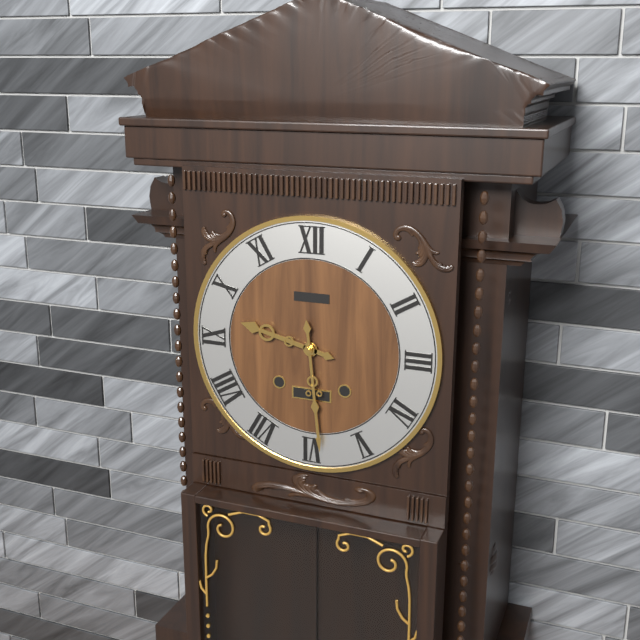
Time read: 9:29
